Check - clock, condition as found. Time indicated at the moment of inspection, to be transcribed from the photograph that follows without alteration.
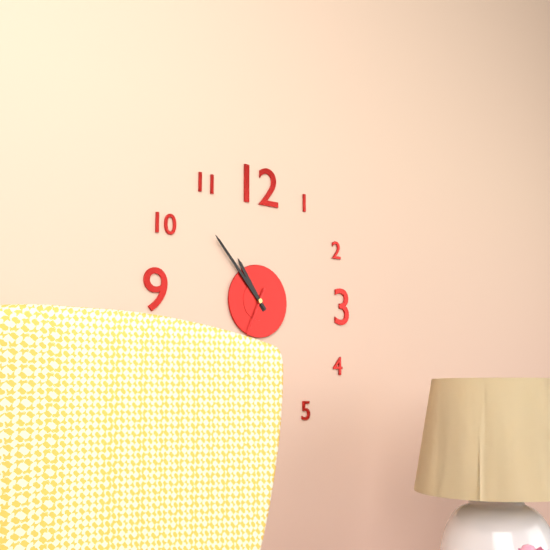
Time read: 10:53:34
